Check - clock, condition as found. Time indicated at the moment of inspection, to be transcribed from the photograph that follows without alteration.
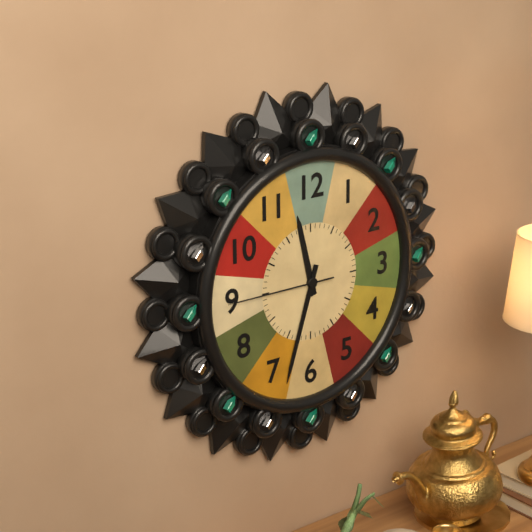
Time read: 11:33:45
